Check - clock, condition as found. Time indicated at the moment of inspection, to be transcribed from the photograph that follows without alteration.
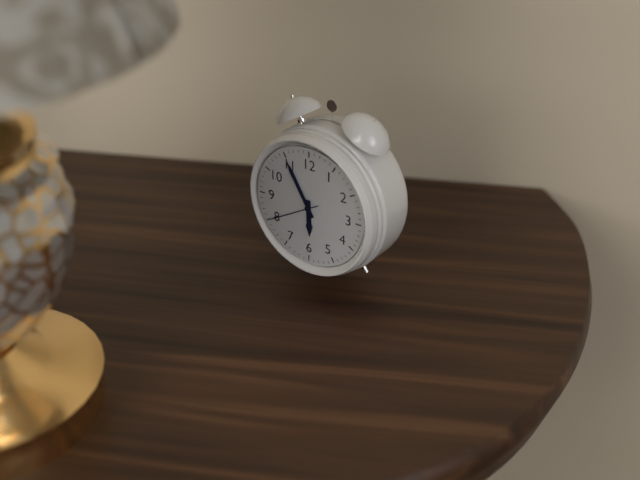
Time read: 5:55
